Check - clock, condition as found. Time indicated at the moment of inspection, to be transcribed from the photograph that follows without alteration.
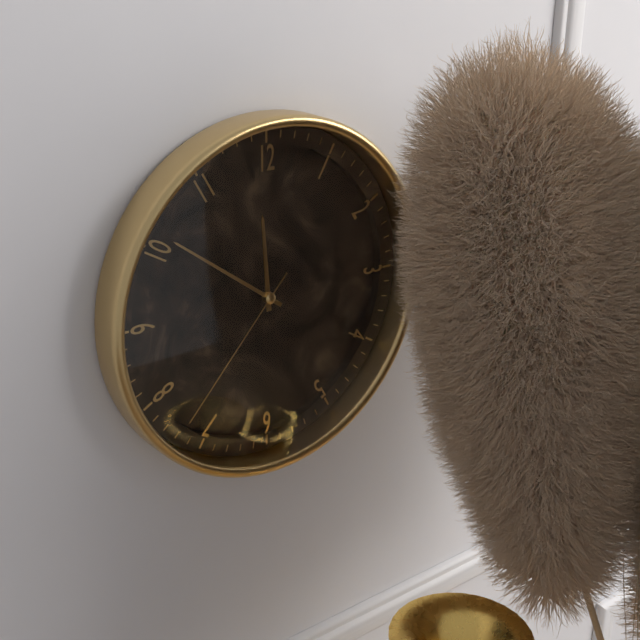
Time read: 11:51:37
